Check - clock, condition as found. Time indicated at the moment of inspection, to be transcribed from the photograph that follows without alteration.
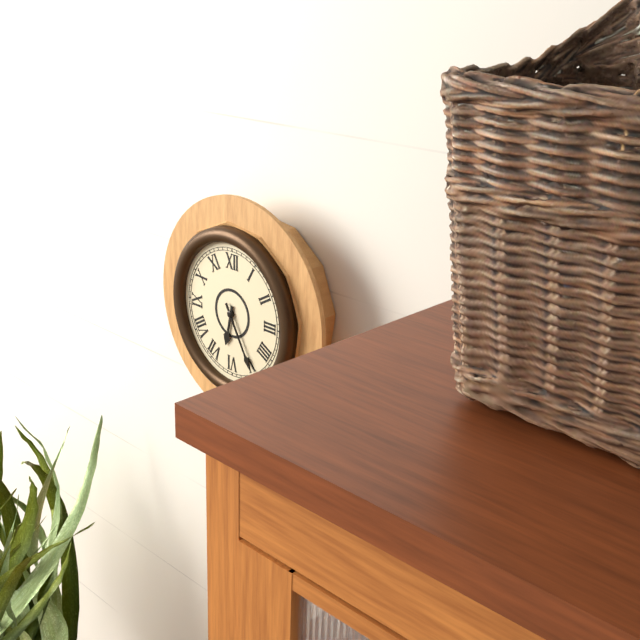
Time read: 6:25
